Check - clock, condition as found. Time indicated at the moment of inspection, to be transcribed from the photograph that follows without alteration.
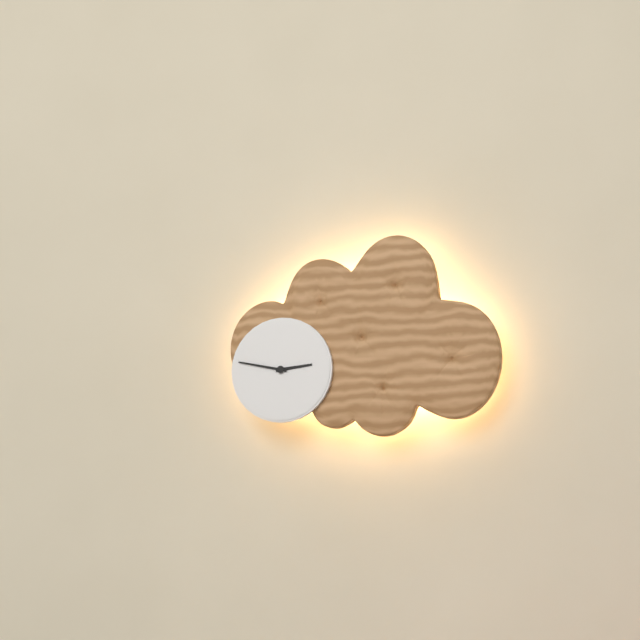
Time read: 2:47
